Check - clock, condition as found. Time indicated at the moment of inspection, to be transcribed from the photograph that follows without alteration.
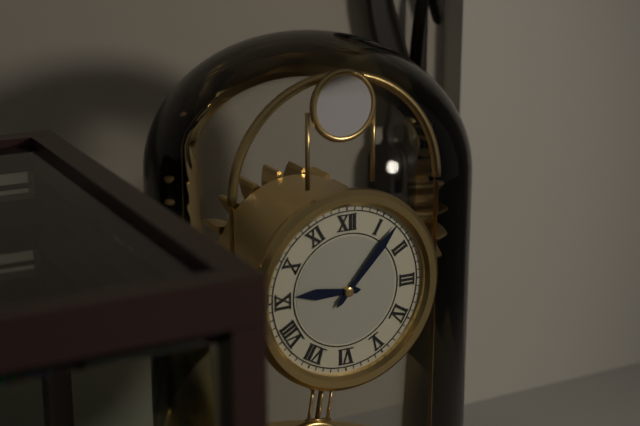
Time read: 9:07
